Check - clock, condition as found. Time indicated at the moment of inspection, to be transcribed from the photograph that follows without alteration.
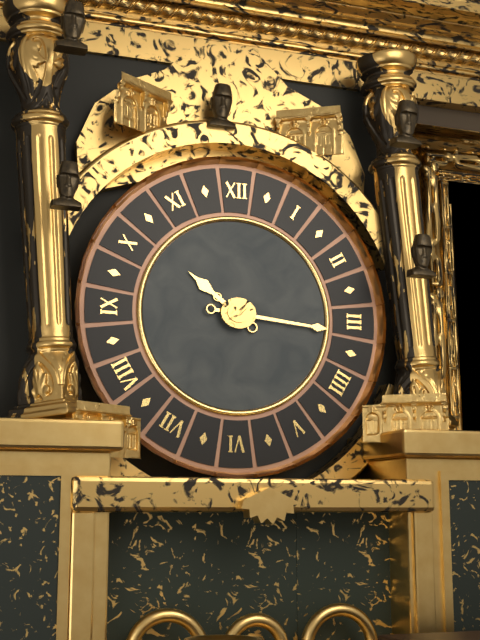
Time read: 10:16
